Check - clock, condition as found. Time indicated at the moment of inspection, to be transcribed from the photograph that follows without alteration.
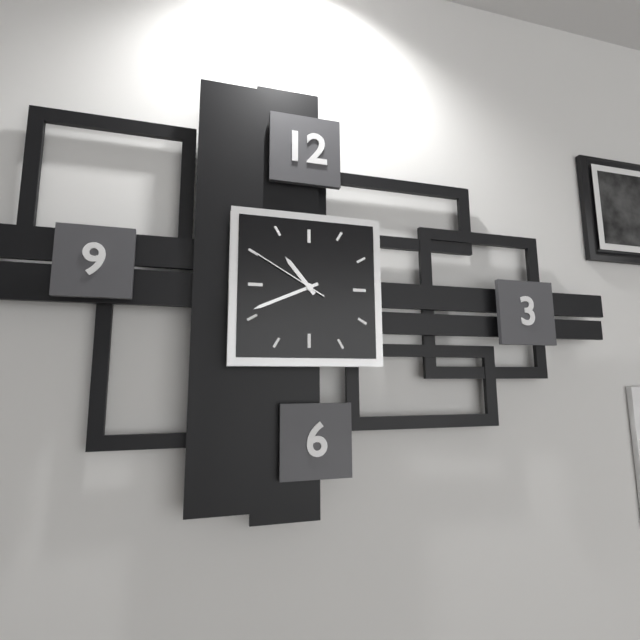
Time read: 10:41:50
